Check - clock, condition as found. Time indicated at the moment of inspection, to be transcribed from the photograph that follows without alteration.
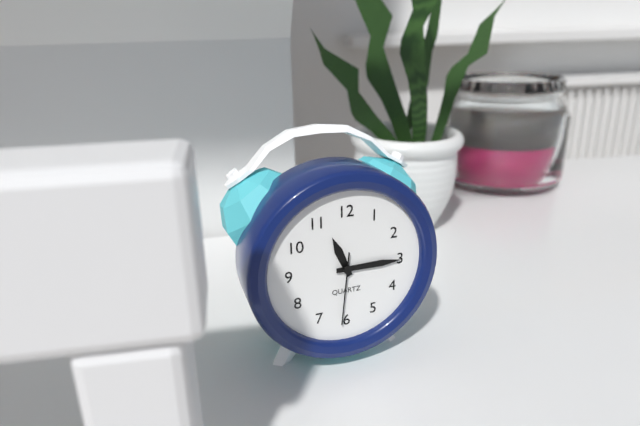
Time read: 11:15:31
